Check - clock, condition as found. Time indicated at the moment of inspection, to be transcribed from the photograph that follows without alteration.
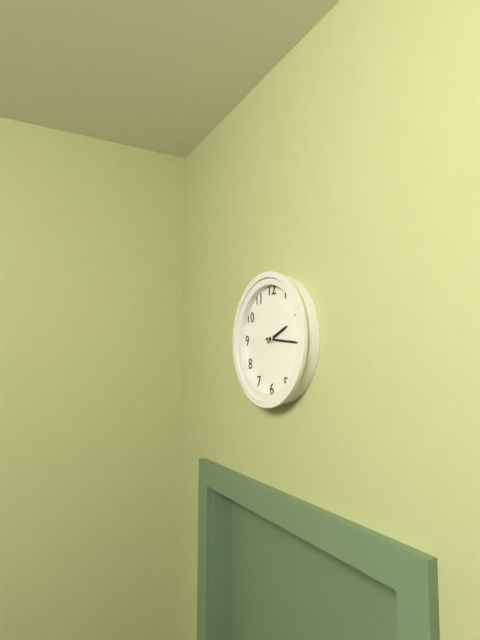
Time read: 2:16
